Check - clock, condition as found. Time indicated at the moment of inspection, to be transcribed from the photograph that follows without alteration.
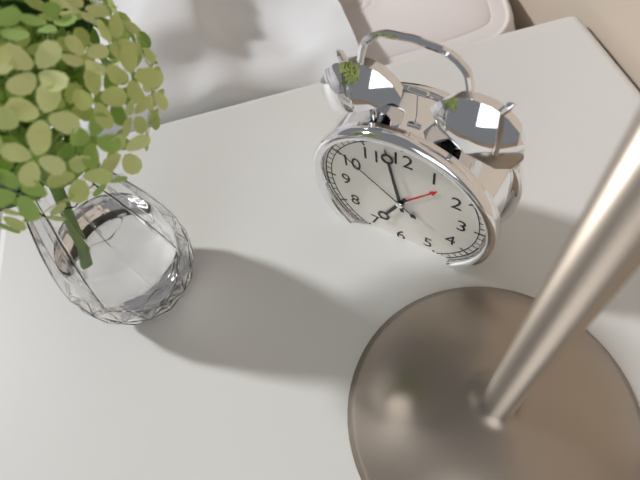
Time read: 6:58:51
